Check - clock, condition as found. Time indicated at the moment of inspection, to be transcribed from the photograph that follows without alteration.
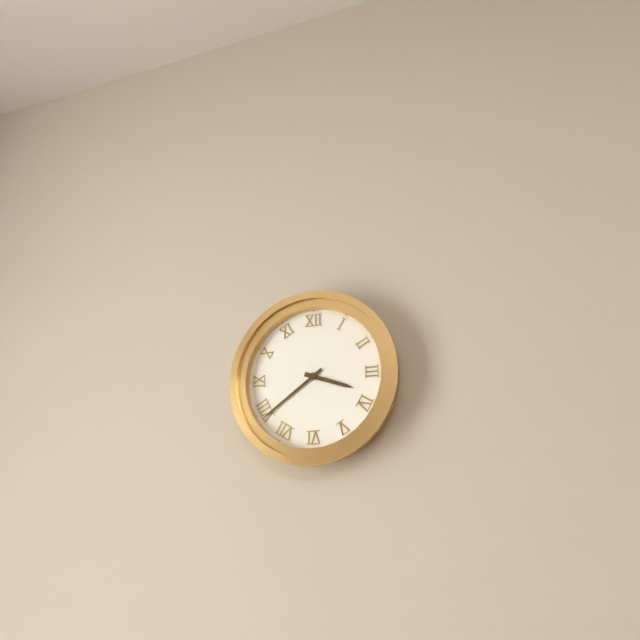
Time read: 3:39
